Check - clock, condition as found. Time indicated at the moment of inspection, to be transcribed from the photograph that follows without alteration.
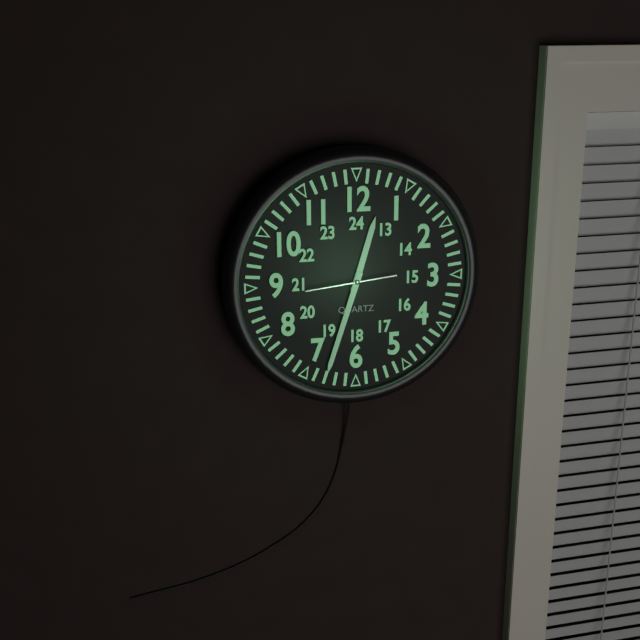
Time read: 12:33:44
